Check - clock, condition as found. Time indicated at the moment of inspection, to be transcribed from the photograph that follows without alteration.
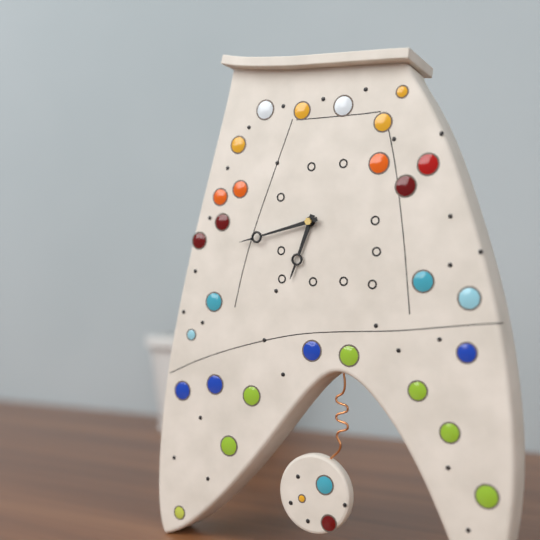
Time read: 6:43
